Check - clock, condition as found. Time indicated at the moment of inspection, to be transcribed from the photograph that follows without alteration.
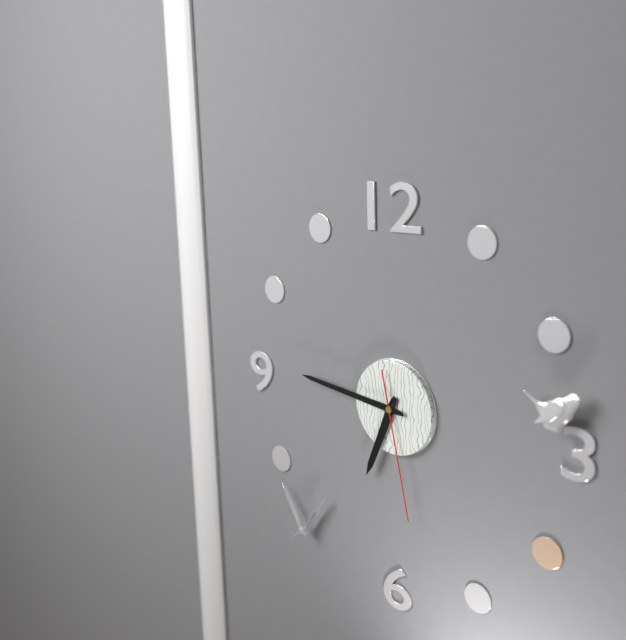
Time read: 6:46:28
